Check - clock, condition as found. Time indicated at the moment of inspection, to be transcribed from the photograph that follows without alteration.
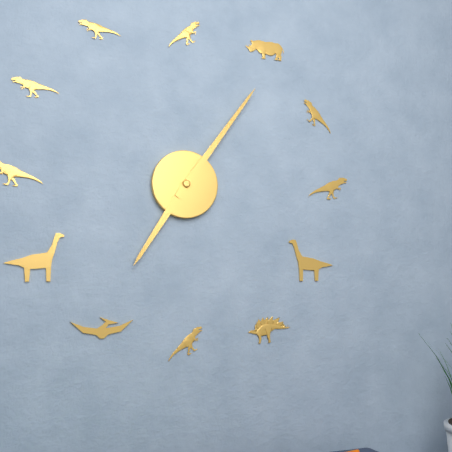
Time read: 7:06
